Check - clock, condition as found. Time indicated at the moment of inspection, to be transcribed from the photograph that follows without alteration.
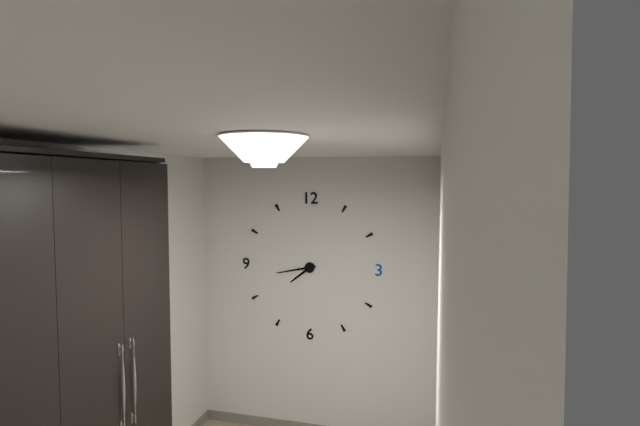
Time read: 7:43
